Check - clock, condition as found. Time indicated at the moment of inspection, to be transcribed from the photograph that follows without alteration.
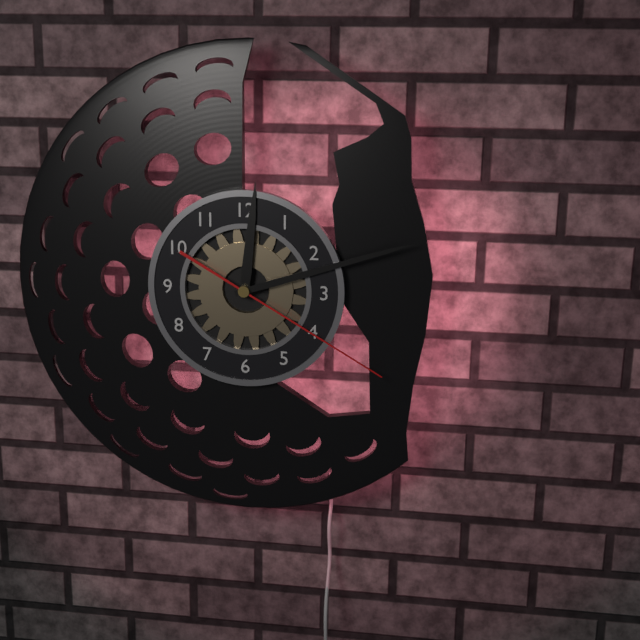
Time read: 12:12:20
